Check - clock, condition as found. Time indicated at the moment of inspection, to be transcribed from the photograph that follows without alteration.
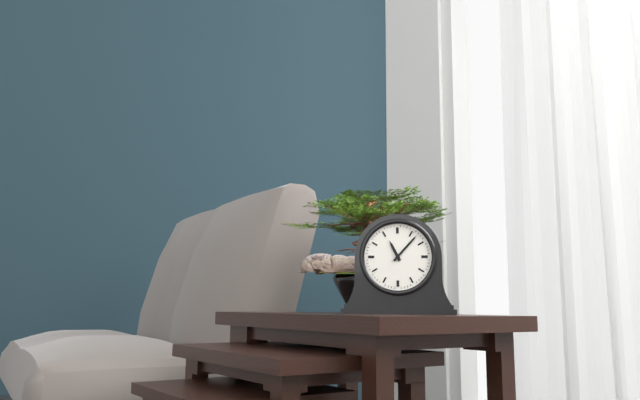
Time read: 11:07
